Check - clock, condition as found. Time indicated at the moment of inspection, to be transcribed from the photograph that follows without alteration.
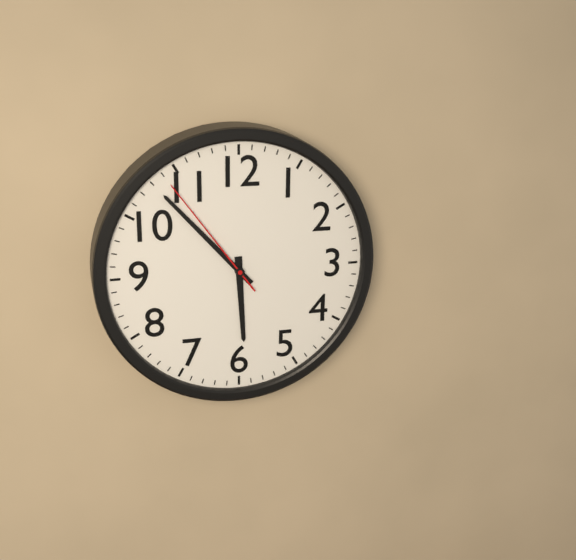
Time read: 5:53:54
